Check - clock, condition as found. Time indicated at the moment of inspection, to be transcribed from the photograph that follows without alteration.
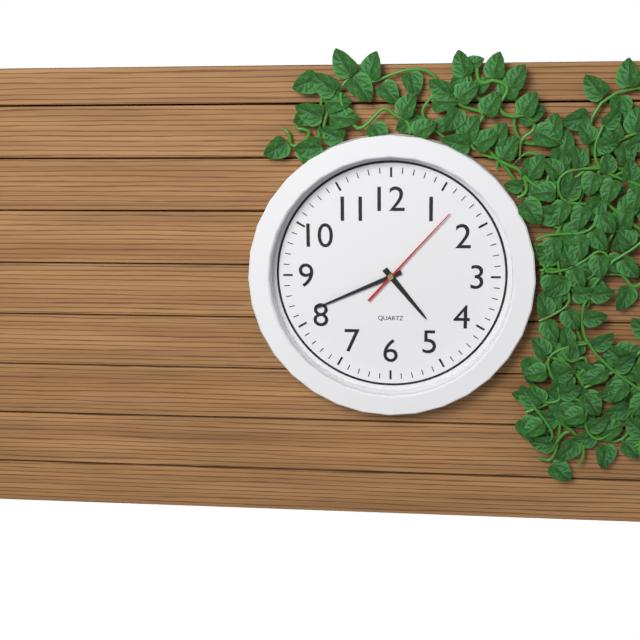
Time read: 4:41:07
